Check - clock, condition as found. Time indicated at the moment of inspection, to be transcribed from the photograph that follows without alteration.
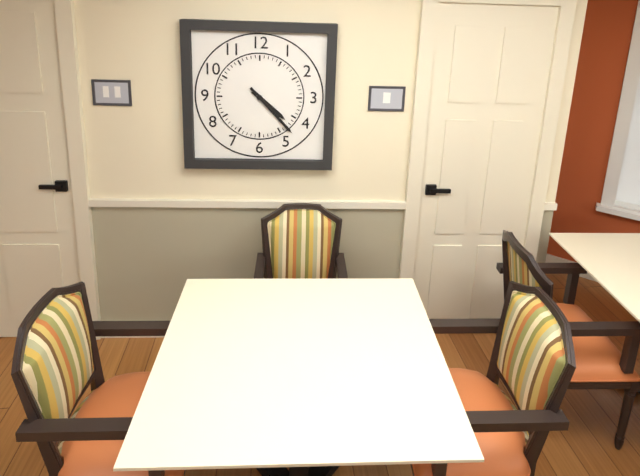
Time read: 4:23
